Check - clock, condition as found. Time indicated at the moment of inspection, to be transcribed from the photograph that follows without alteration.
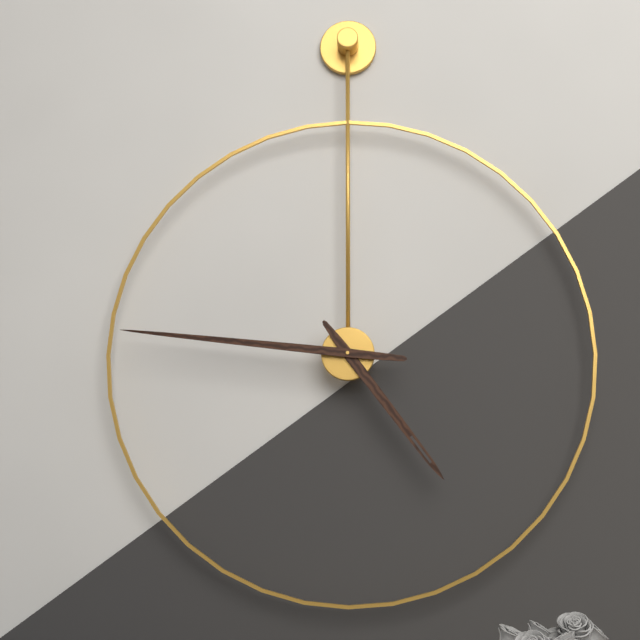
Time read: 4:46
